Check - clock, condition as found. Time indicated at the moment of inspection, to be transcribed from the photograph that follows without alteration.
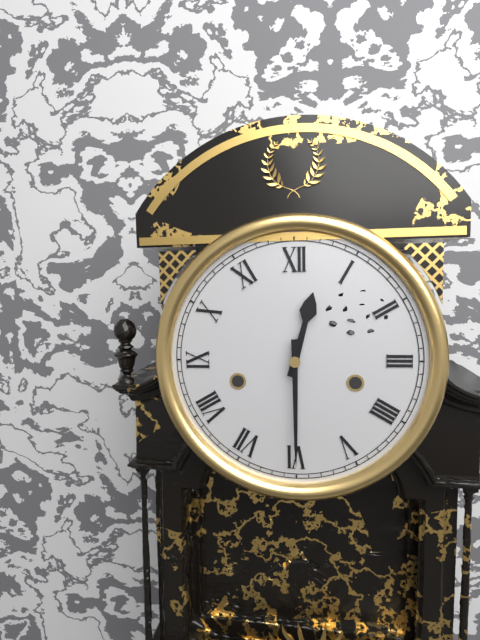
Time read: 12:30
